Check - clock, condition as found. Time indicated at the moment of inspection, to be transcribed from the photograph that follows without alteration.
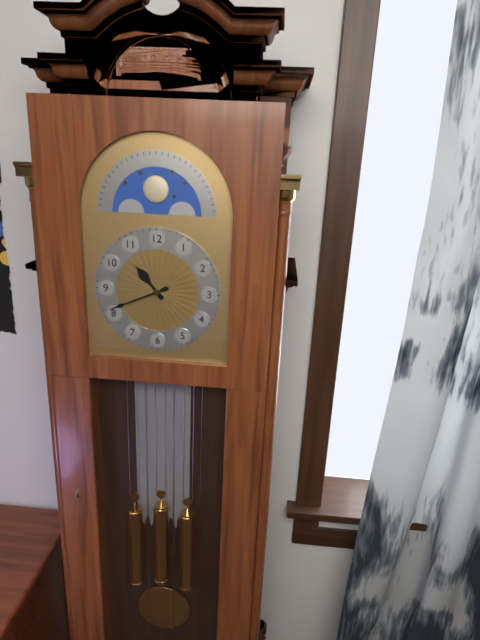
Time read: 10:41
